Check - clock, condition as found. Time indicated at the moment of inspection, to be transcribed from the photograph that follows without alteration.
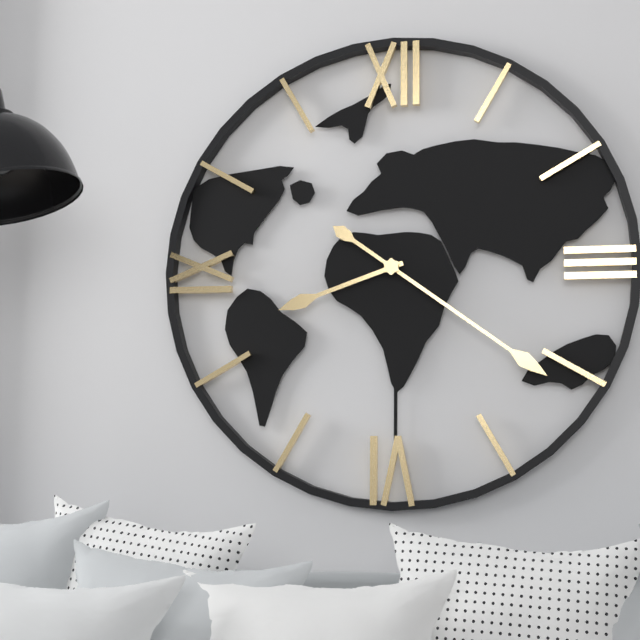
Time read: 8:21
